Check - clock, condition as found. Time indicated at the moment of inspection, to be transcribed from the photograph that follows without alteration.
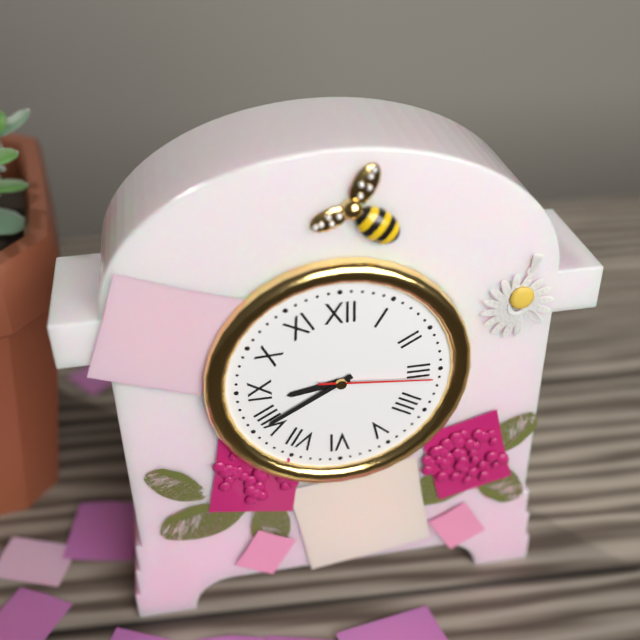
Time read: 8:40:16
